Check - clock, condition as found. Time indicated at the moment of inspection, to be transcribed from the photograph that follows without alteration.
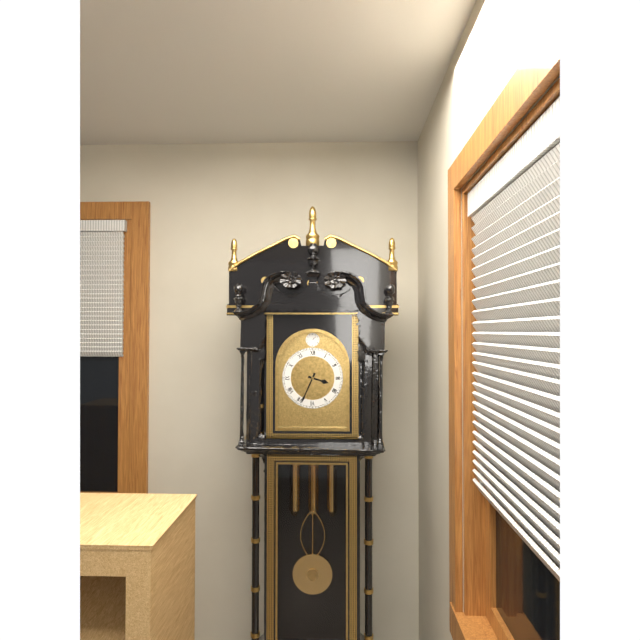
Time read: 3:34
